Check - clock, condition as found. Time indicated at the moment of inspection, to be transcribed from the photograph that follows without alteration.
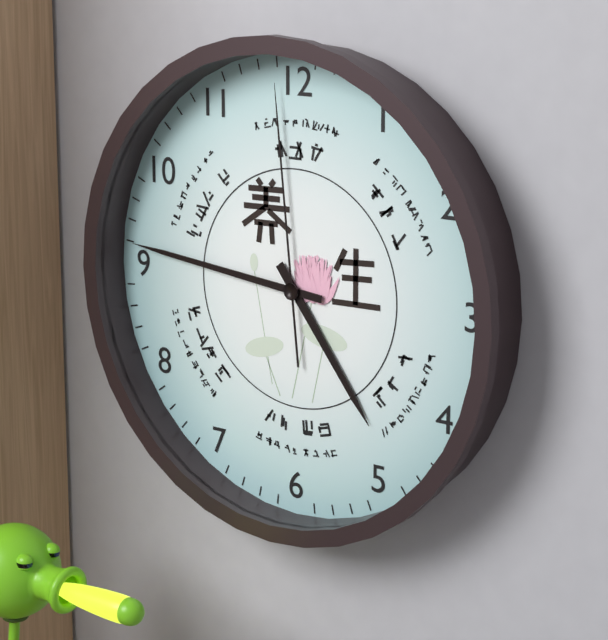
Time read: 4:46:59
